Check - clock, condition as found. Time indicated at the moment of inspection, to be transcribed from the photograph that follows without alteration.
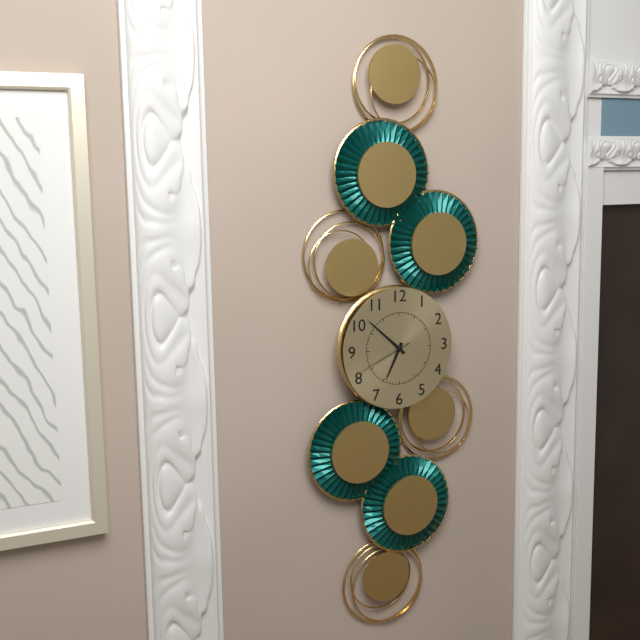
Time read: 6:52:41
